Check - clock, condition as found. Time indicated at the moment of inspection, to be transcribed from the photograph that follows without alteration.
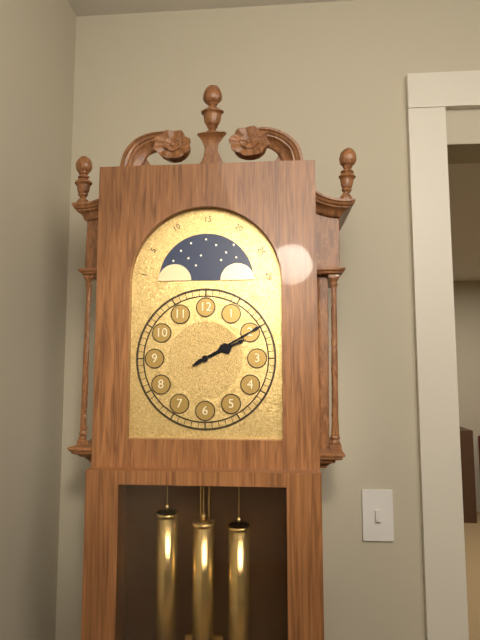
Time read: 2:10
